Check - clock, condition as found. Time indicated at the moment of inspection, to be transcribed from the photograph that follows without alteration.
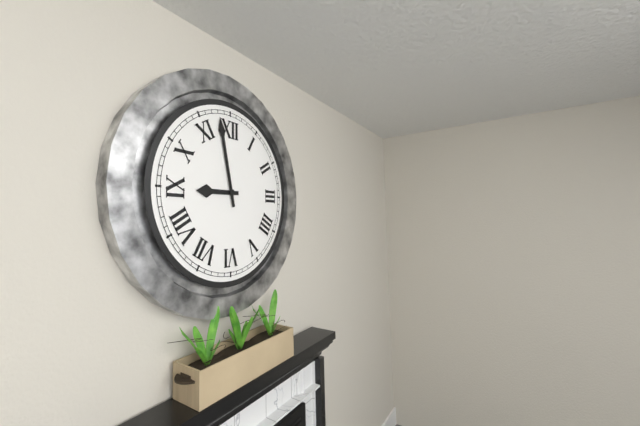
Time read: 8:58
